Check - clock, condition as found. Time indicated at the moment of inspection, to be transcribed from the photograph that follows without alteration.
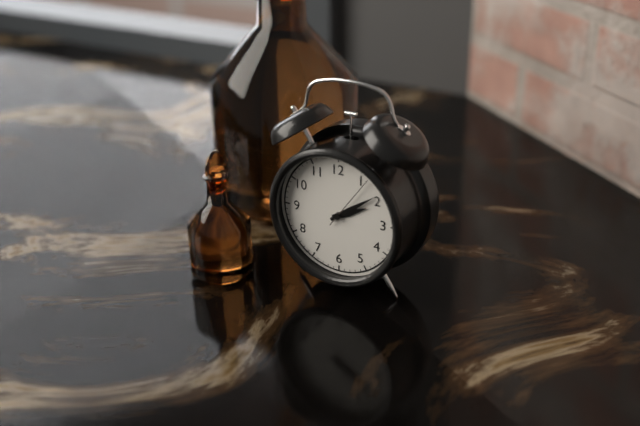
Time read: 2:09
